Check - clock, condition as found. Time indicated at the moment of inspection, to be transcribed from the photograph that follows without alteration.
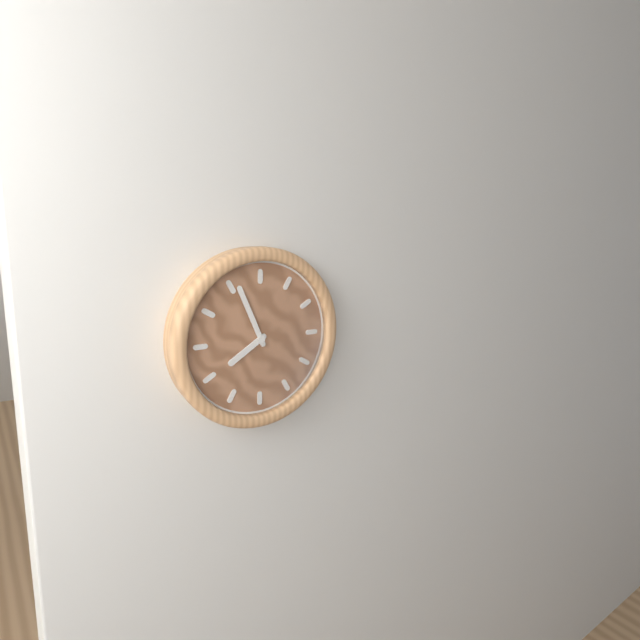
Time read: 7:56
